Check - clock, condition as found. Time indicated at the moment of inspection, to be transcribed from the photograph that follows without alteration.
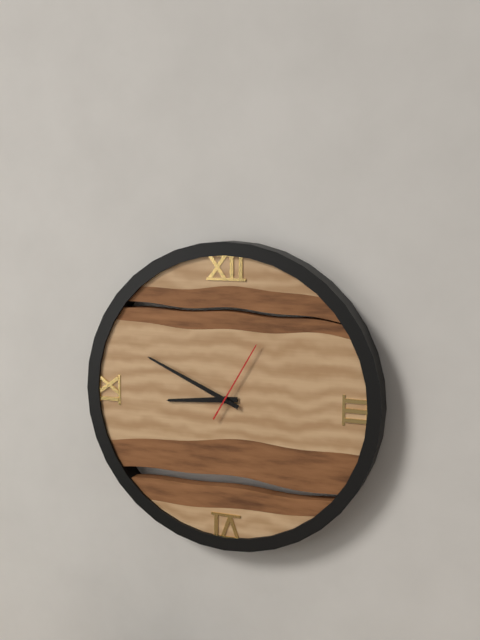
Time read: 8:49:05
